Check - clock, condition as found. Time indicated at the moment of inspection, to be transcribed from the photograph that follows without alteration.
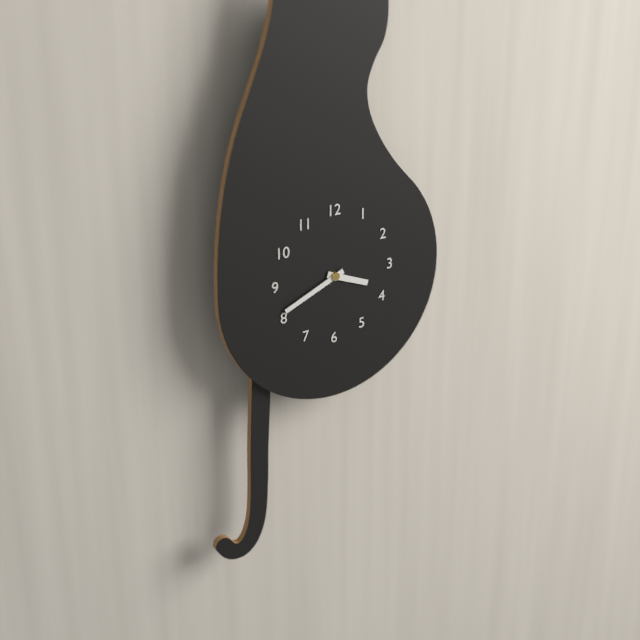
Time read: 3:41
